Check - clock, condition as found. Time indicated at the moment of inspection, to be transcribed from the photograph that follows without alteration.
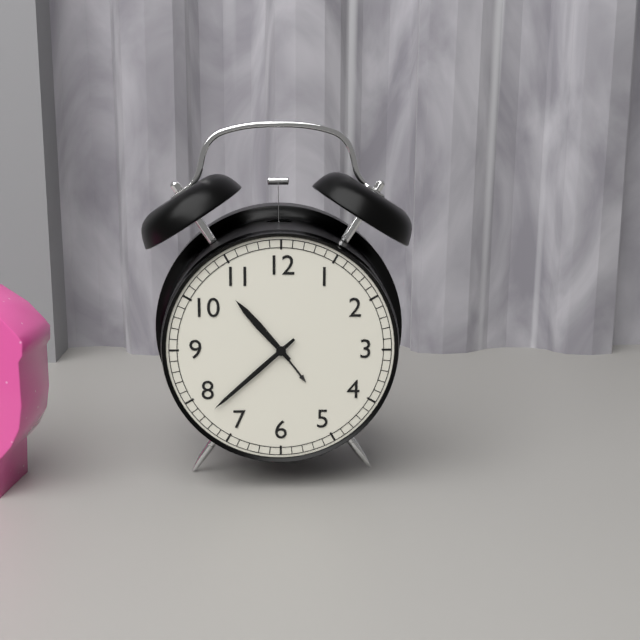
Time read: 10:38
